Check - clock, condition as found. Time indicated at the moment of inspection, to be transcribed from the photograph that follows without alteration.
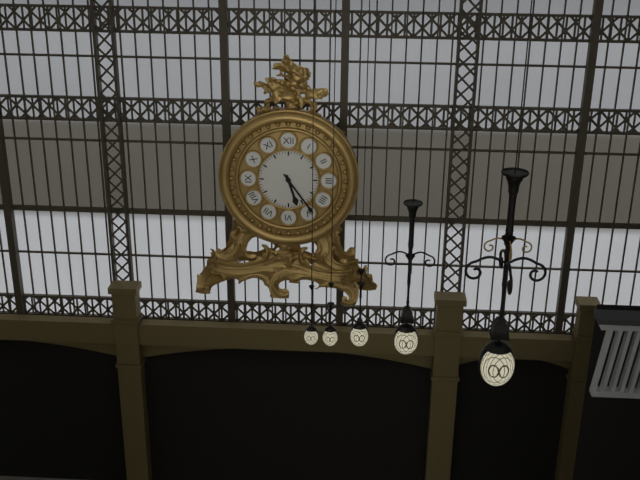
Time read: 5:24
